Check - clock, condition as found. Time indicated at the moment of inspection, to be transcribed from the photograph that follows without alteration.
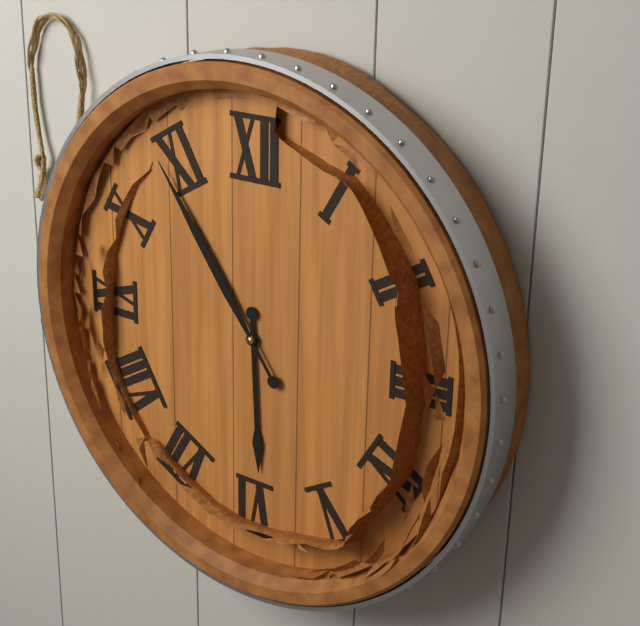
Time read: 5:54
